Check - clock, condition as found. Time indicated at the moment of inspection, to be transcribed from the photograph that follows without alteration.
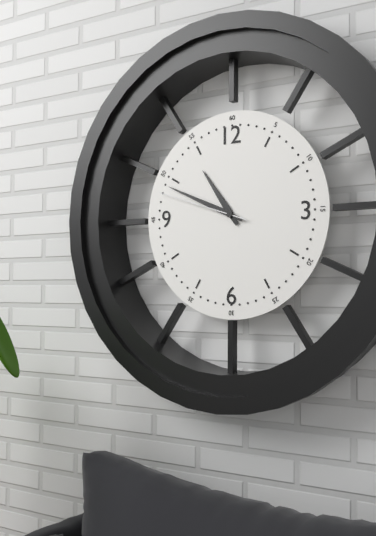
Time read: 10:49:48
